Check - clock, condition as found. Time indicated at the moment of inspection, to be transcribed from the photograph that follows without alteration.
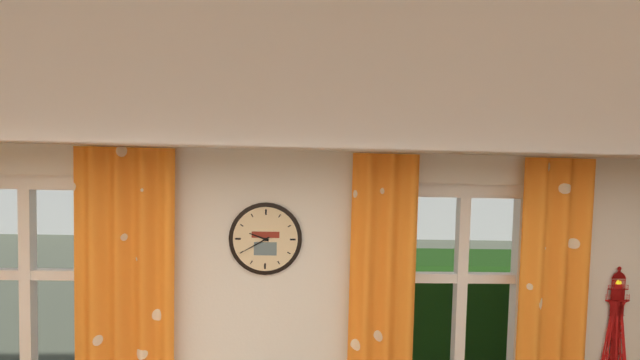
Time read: 9:40
